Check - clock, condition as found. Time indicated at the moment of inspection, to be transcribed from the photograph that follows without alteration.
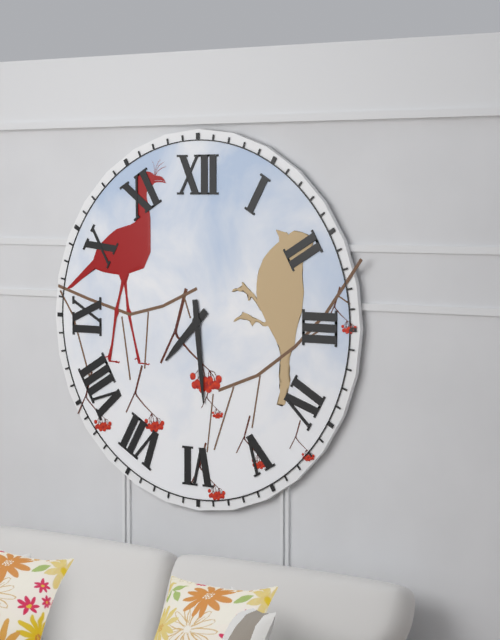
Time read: 7:29
